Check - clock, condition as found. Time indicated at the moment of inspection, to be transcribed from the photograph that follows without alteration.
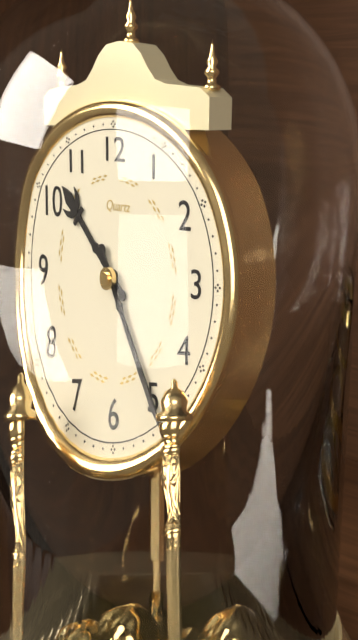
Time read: 10:25
